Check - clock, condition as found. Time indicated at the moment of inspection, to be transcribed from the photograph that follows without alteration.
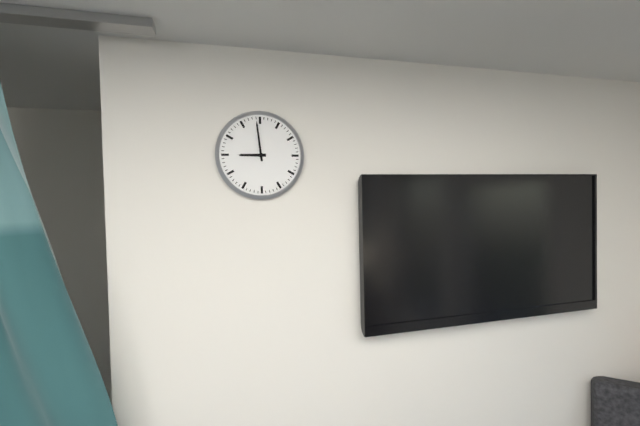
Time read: 8:59
